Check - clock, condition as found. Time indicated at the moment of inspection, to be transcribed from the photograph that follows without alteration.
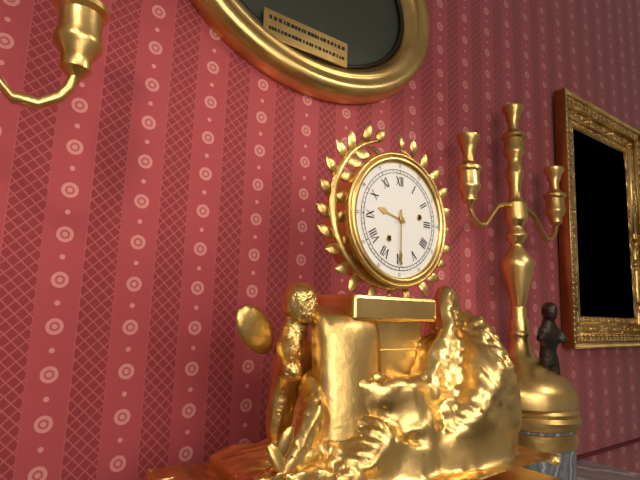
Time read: 9:30
